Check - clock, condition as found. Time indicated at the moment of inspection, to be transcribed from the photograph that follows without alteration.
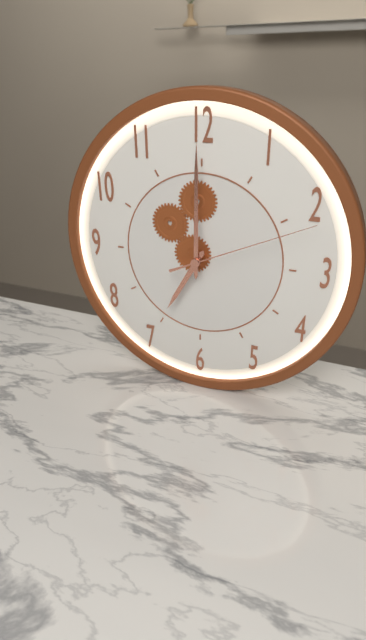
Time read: 7:00:11
